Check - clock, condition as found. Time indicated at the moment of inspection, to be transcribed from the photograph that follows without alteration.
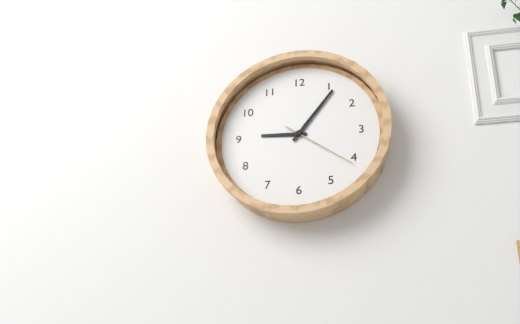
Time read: 9:06:21
